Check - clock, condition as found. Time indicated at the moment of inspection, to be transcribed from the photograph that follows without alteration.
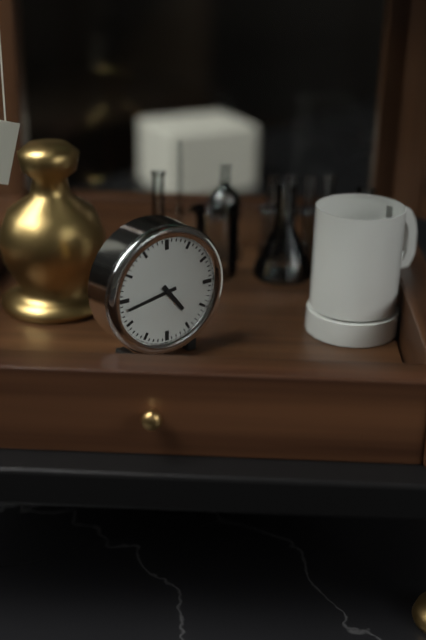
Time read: 4:43
